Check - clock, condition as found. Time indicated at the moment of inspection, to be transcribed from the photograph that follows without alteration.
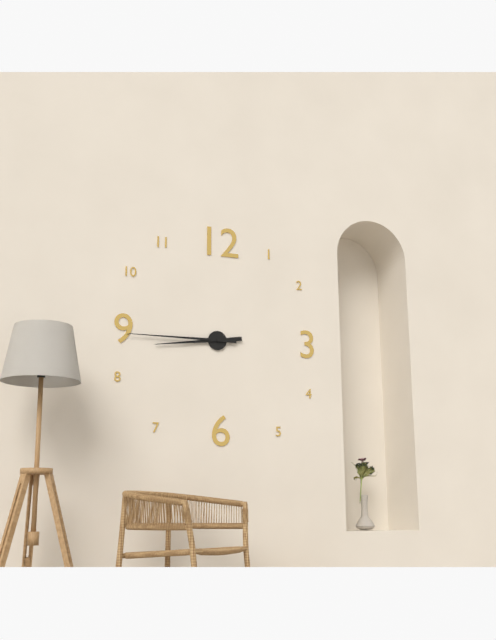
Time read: 8:45
